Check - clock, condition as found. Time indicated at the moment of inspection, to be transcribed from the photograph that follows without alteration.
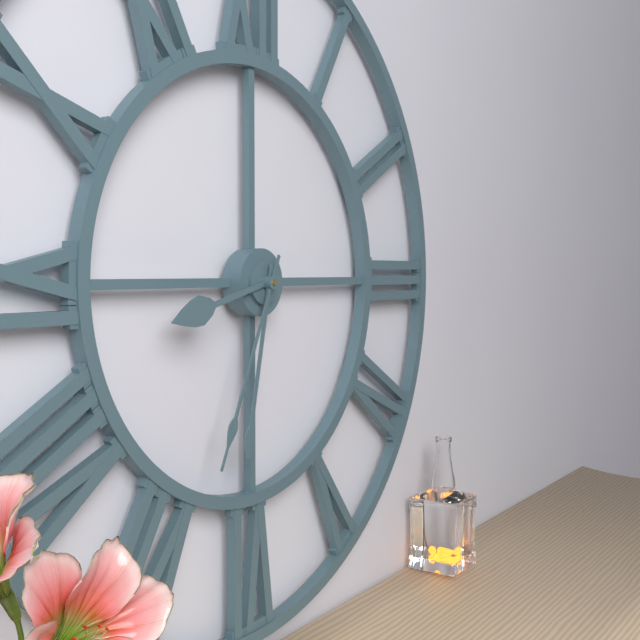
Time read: 8:32:34
